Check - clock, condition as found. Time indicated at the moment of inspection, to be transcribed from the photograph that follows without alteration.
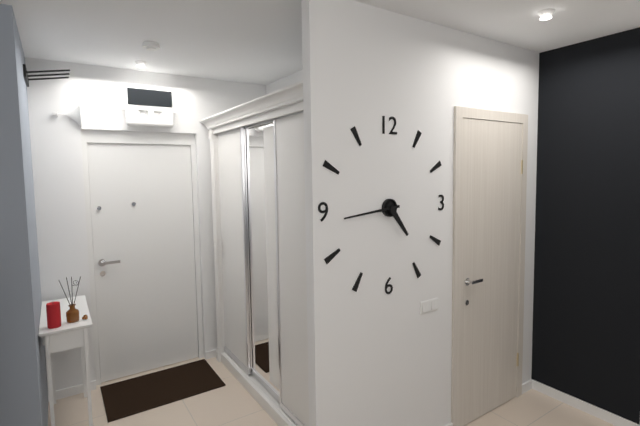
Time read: 4:44
